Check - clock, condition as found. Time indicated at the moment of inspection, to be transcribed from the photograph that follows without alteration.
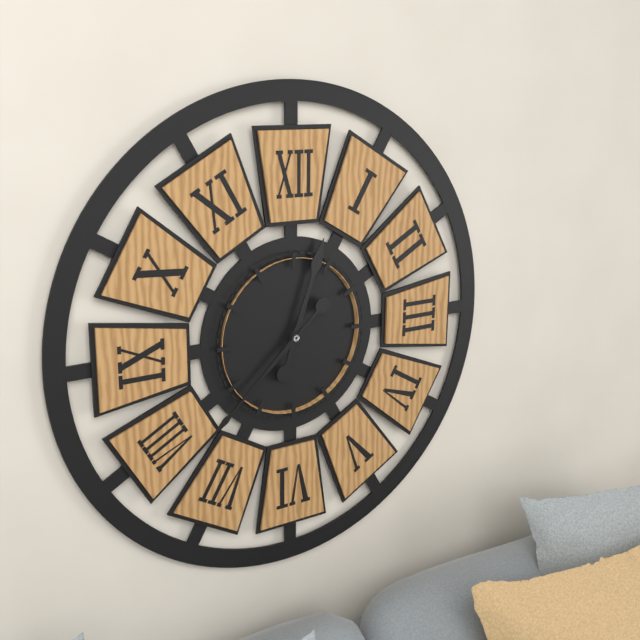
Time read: 12:38
